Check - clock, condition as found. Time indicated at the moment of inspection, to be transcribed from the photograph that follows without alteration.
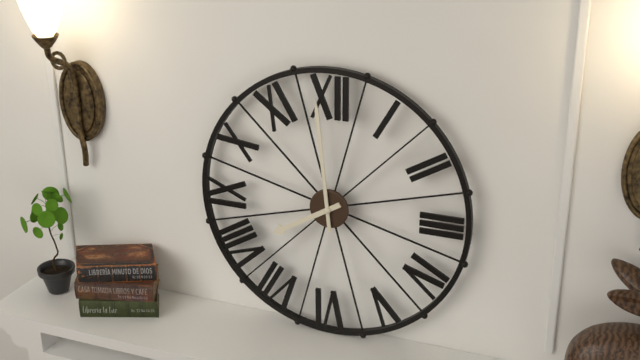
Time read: 7:59
